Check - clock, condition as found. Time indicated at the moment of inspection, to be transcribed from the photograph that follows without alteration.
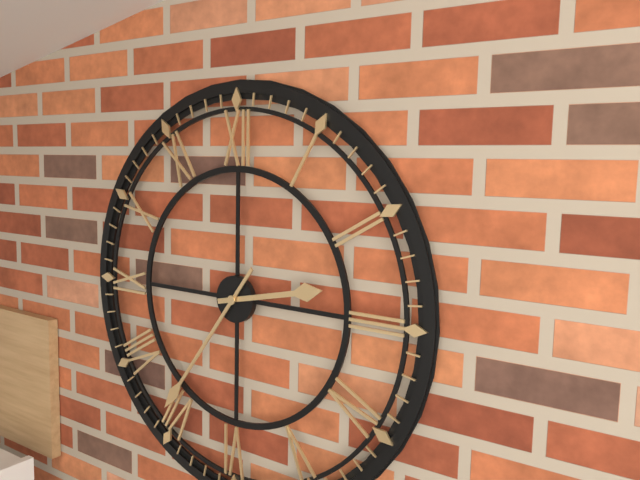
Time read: 2:36
